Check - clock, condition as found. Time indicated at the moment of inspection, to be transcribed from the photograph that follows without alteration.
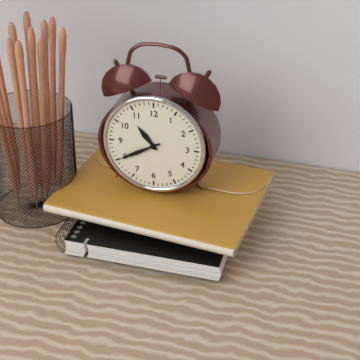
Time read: 10:40
